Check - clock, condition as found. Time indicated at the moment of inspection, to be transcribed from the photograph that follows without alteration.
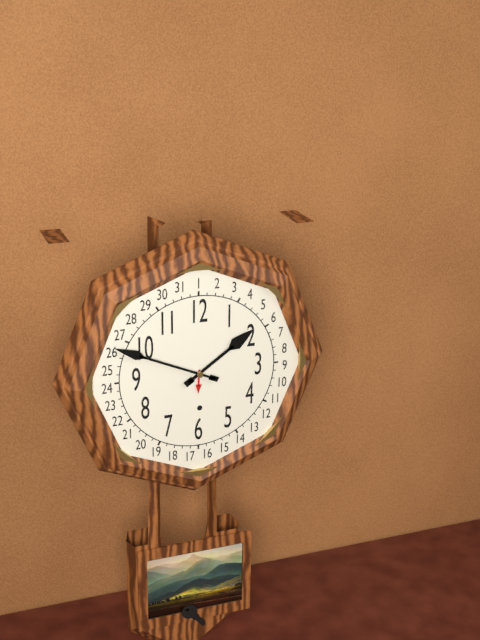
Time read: 1:49
